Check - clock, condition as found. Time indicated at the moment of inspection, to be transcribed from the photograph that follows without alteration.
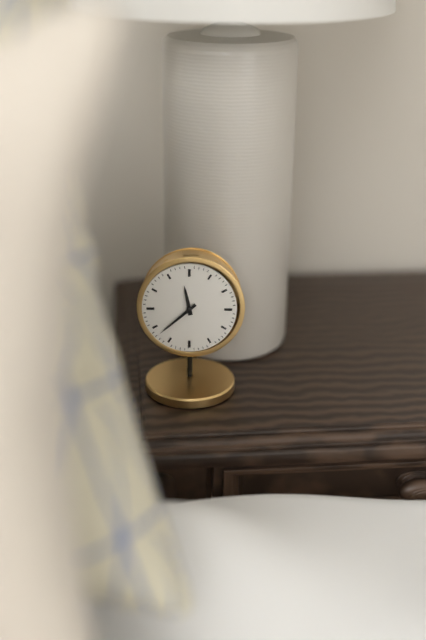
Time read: 11:38
